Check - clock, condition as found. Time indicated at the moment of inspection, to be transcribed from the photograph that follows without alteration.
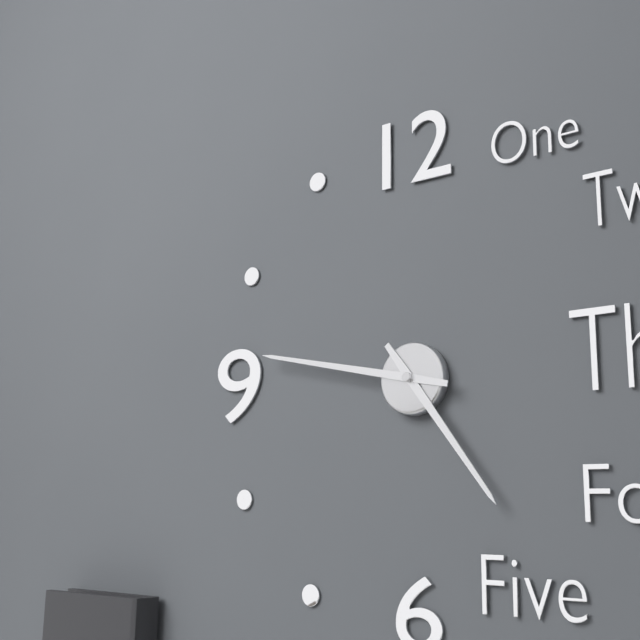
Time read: 4:47
